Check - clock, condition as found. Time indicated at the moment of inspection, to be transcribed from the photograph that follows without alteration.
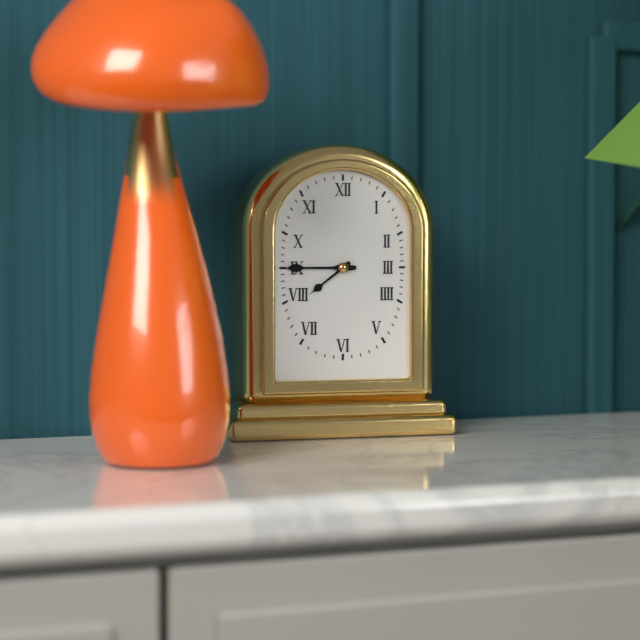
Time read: 7:45
